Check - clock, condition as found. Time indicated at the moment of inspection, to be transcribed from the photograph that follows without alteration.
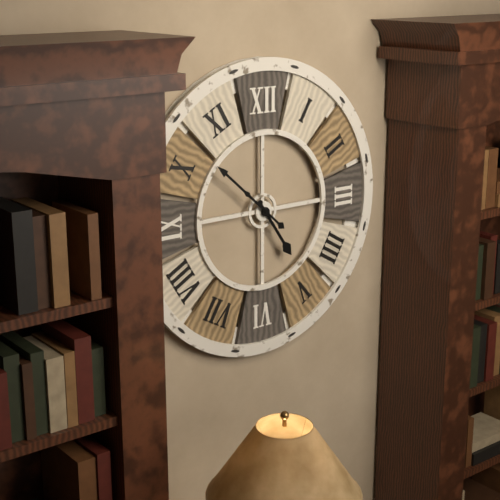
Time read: 4:52
